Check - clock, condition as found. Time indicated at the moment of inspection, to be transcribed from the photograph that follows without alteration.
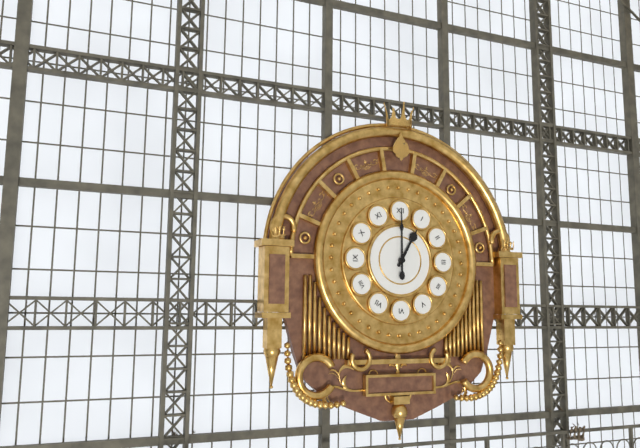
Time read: 1:00
